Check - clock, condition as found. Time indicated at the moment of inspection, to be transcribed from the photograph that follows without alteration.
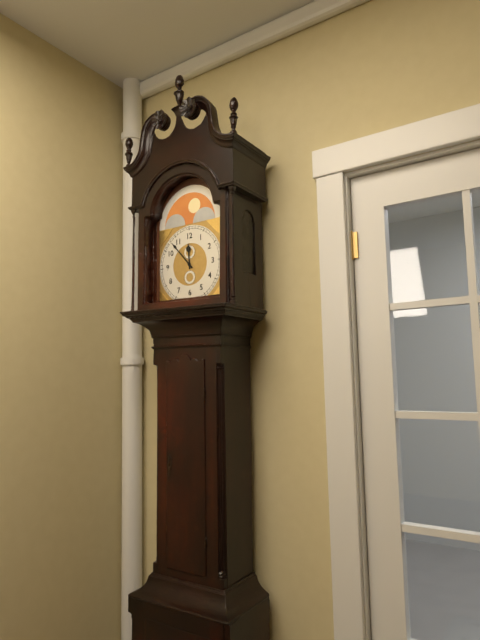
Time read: 11:53
